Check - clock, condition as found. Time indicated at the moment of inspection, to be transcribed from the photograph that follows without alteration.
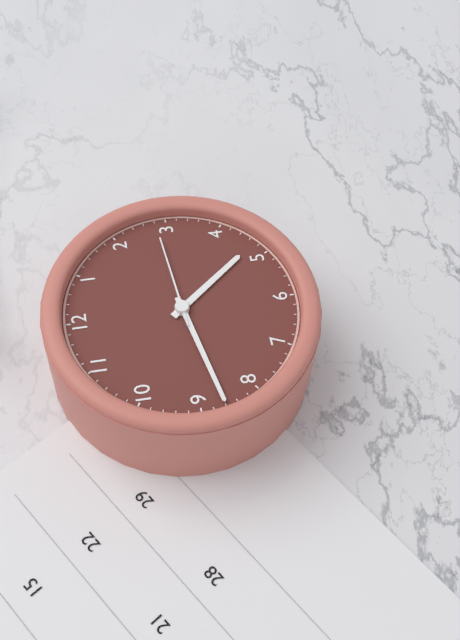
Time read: 4:43:14
